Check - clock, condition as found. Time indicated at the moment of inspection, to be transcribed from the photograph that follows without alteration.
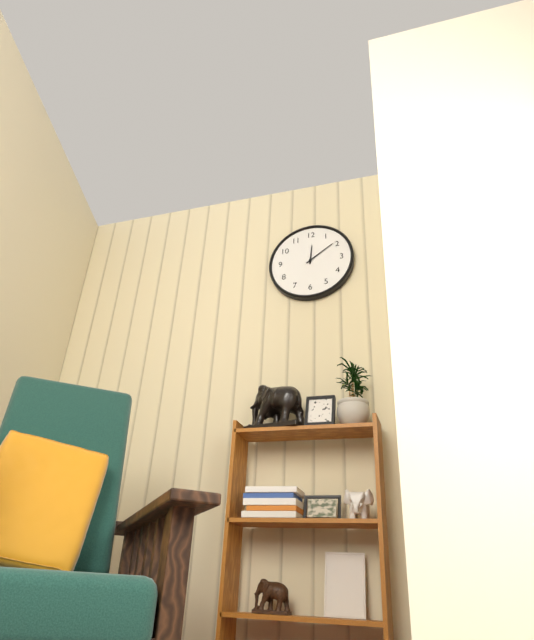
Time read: 12:09
